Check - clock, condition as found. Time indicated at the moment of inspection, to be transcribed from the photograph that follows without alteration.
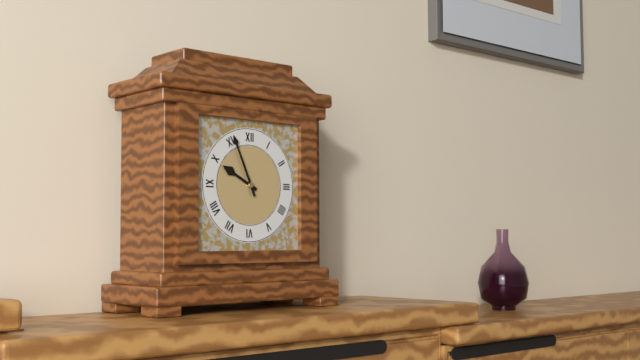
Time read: 9:56
